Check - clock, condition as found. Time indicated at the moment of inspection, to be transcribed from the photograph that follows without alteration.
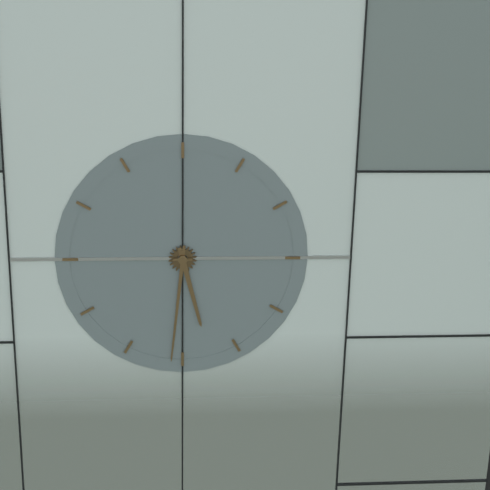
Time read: 5:31
